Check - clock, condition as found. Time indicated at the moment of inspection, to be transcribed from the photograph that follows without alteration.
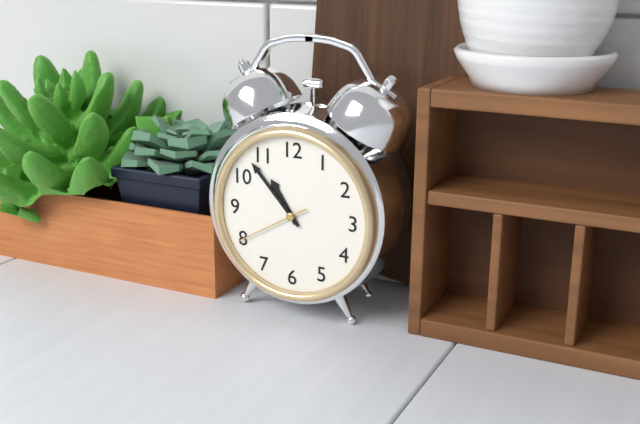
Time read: 10:53:40
